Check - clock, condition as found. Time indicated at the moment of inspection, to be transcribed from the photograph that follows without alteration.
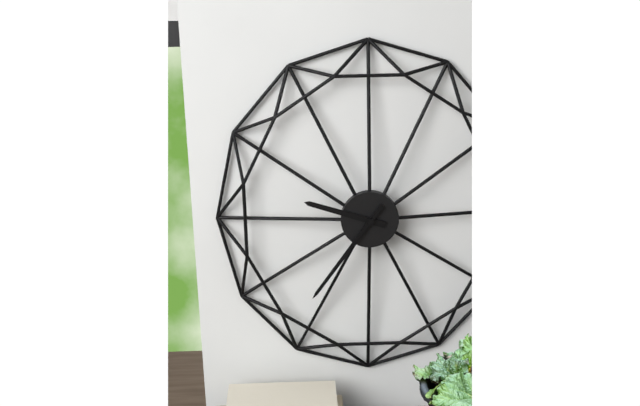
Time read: 9:36
